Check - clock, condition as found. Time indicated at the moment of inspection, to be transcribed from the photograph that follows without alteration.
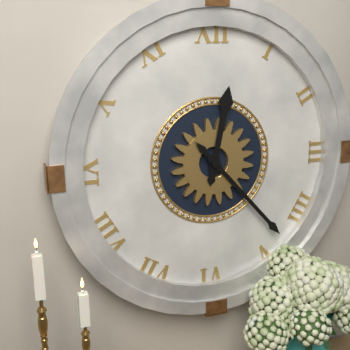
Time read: 12:23
